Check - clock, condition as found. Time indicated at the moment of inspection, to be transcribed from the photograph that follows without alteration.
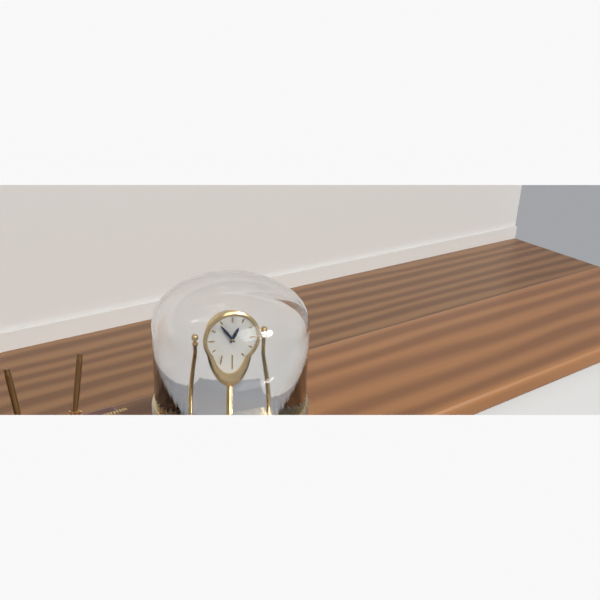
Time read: 12:54
